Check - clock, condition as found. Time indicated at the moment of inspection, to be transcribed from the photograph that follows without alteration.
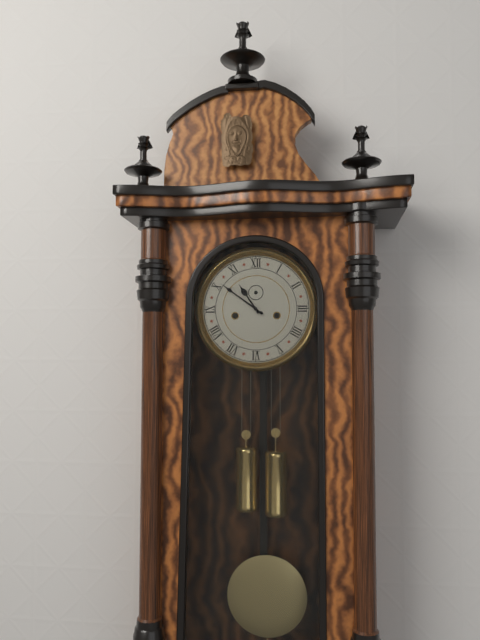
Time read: 10:51
